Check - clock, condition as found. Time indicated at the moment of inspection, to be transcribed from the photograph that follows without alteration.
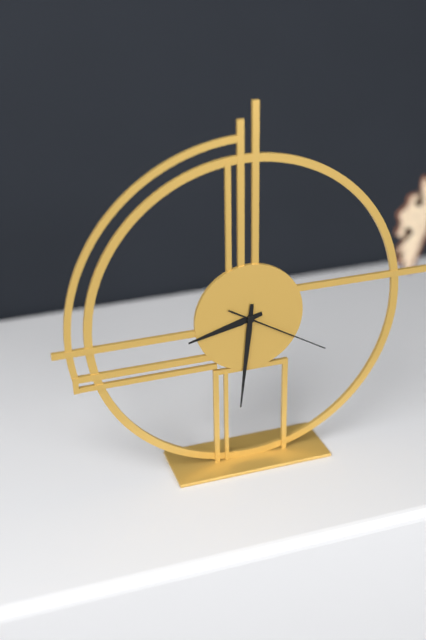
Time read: 8:31:20
